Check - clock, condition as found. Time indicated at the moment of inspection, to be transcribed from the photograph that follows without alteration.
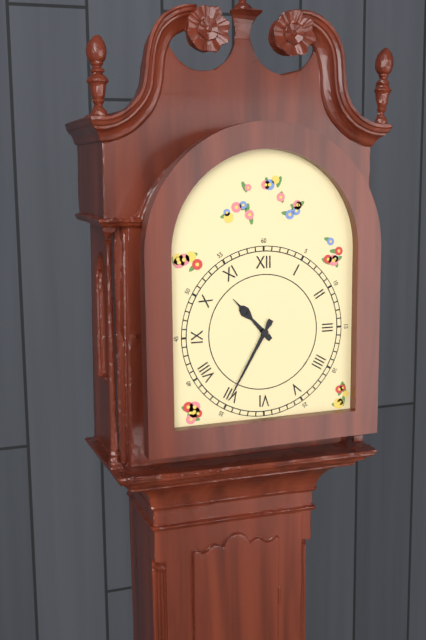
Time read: 10:35
